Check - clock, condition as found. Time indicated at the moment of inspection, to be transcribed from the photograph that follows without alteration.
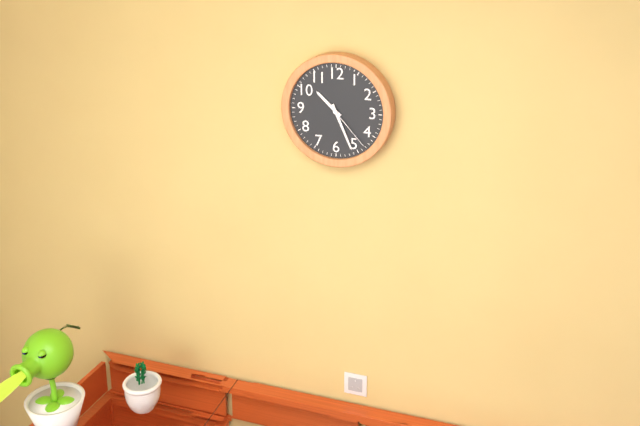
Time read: 10:26:23
